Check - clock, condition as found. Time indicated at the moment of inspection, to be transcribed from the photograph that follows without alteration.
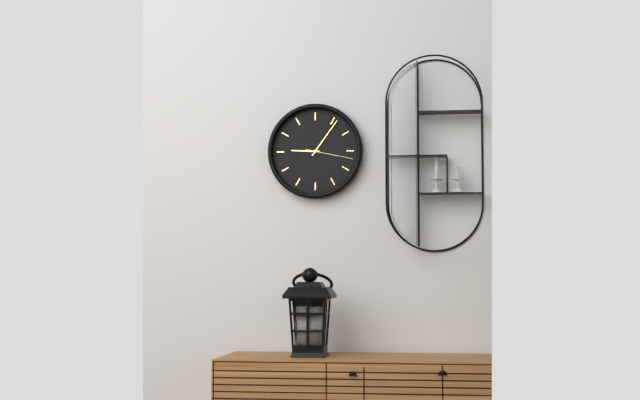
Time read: 9:06
